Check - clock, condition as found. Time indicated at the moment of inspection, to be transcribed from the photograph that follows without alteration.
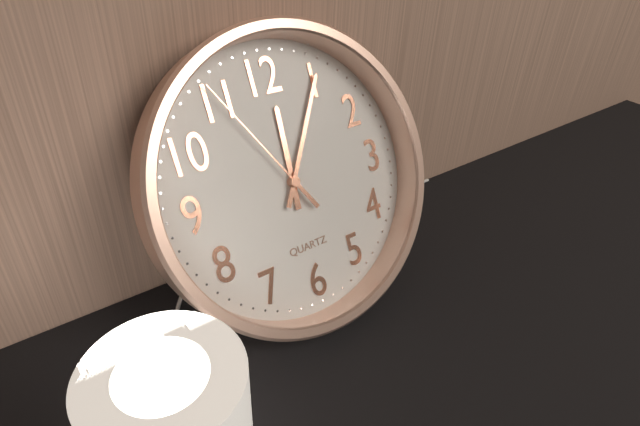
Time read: 12:05:55
